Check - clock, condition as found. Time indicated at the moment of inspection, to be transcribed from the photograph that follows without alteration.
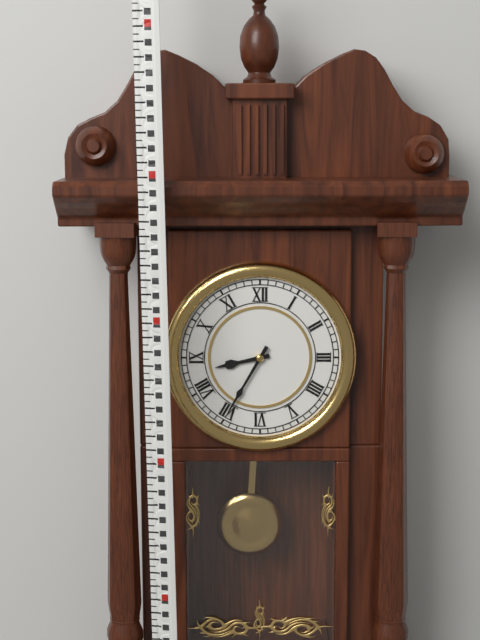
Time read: 8:35
